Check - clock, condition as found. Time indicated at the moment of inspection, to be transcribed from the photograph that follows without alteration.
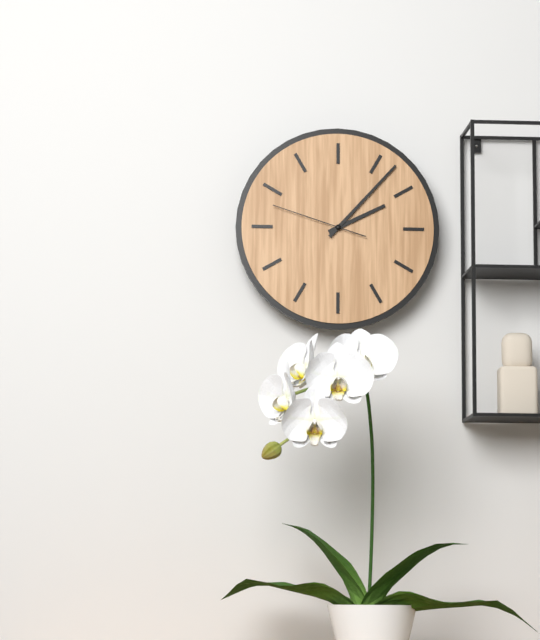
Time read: 2:07:48
